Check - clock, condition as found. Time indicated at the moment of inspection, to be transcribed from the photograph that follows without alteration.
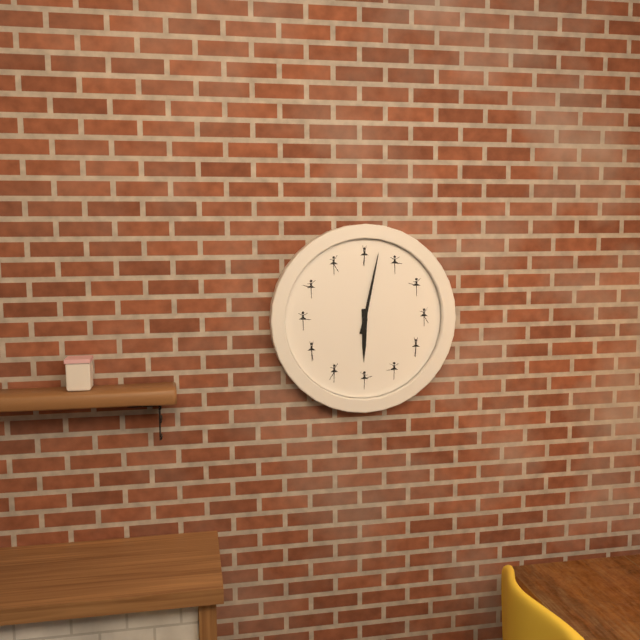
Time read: 6:02
